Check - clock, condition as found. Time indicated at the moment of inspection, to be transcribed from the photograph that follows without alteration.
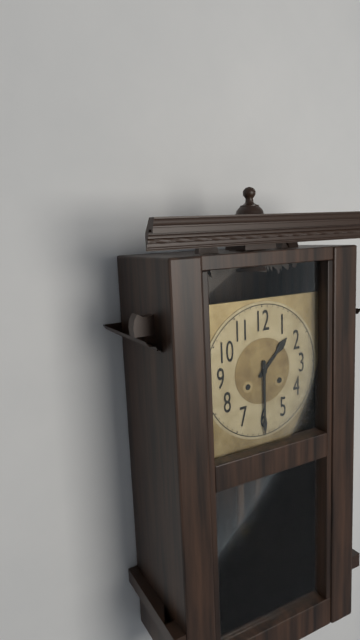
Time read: 1:30
